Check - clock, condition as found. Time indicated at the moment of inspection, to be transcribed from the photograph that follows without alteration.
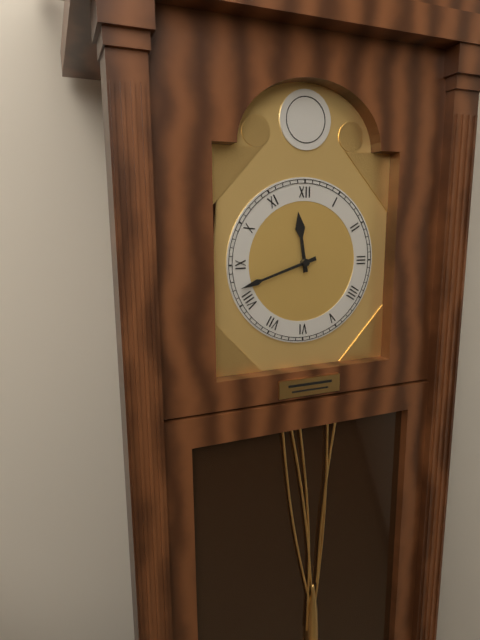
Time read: 11:42
